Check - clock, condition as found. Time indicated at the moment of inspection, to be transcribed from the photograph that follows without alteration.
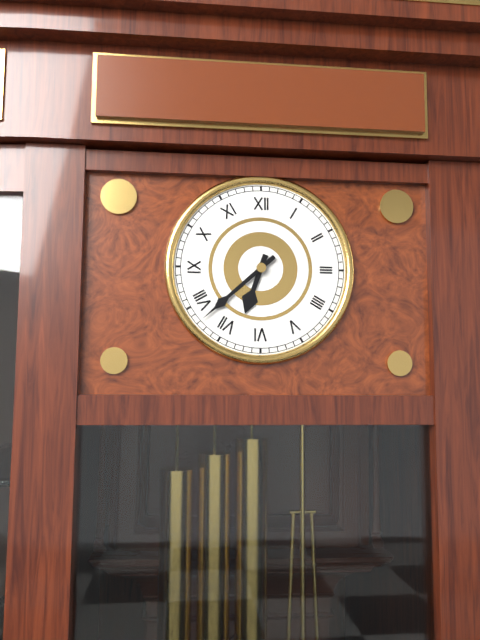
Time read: 6:38
